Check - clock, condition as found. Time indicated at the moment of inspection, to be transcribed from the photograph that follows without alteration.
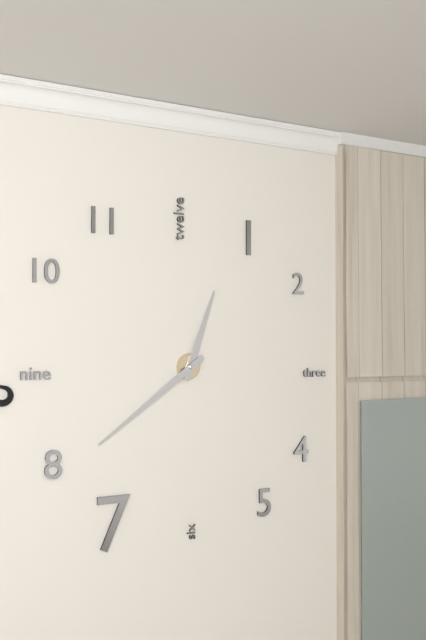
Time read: 12:39
